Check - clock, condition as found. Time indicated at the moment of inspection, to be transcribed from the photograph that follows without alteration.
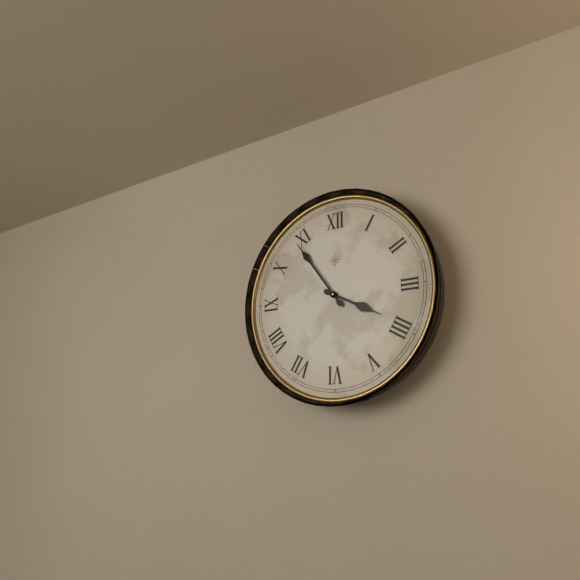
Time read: 3:54
